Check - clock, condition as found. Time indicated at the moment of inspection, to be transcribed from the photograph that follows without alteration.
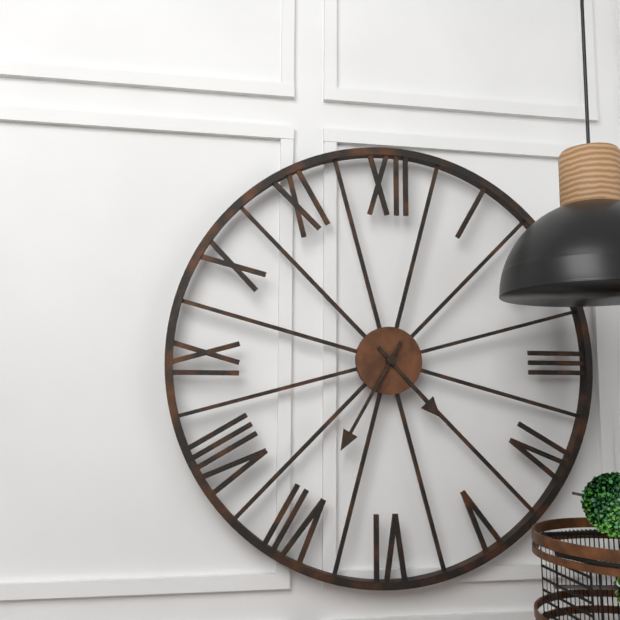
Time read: 4:35
